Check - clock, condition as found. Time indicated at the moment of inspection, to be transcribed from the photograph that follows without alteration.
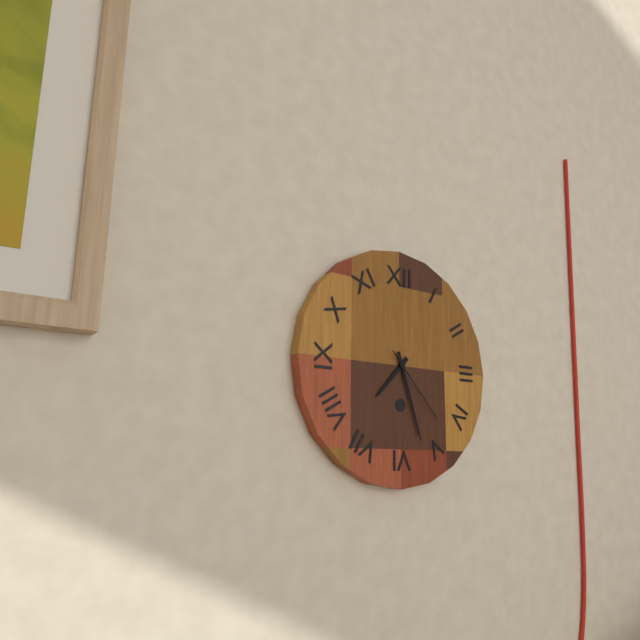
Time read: 7:27:23
